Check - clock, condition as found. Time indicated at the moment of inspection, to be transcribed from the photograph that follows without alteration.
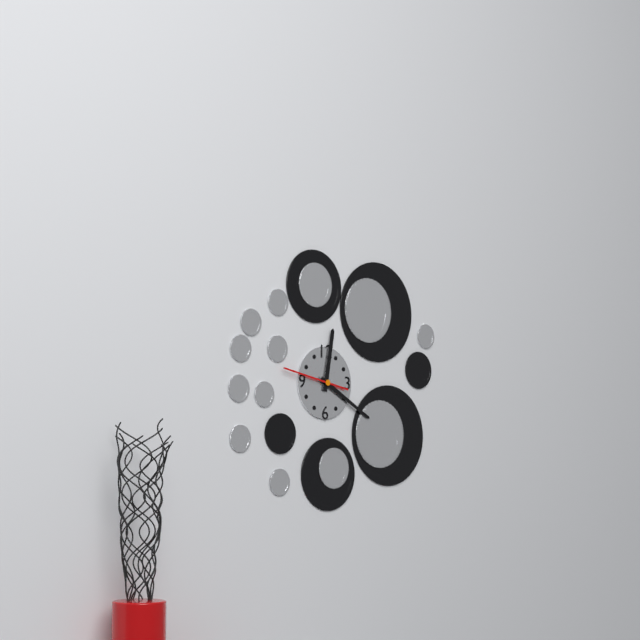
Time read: 12:20:47
